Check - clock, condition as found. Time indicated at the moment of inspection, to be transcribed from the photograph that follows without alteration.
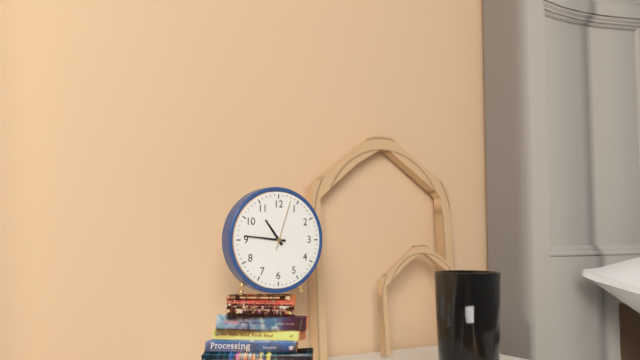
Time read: 10:46:03
